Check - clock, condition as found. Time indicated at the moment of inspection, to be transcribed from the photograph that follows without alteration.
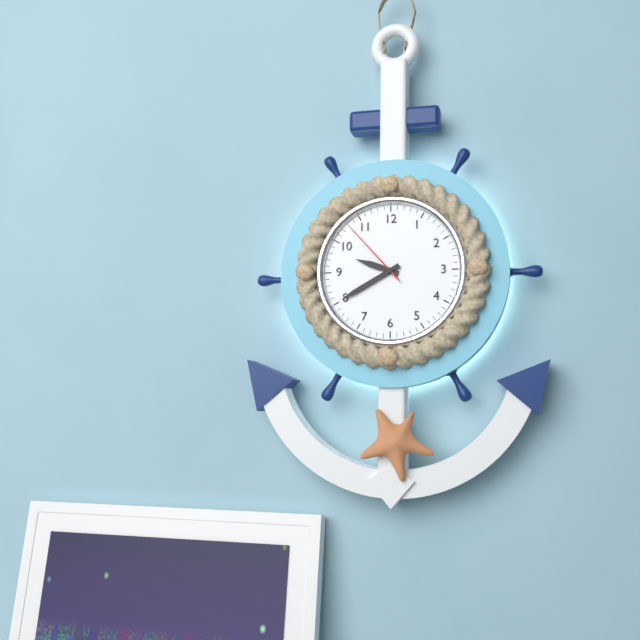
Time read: 9:40:53
